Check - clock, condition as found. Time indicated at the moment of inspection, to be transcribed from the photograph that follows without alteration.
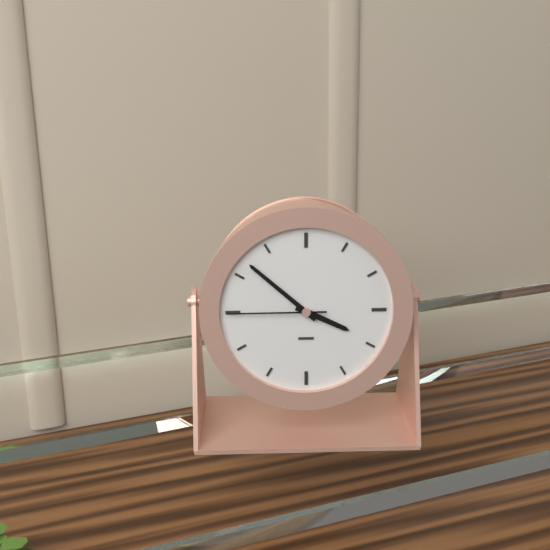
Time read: 3:52:45
